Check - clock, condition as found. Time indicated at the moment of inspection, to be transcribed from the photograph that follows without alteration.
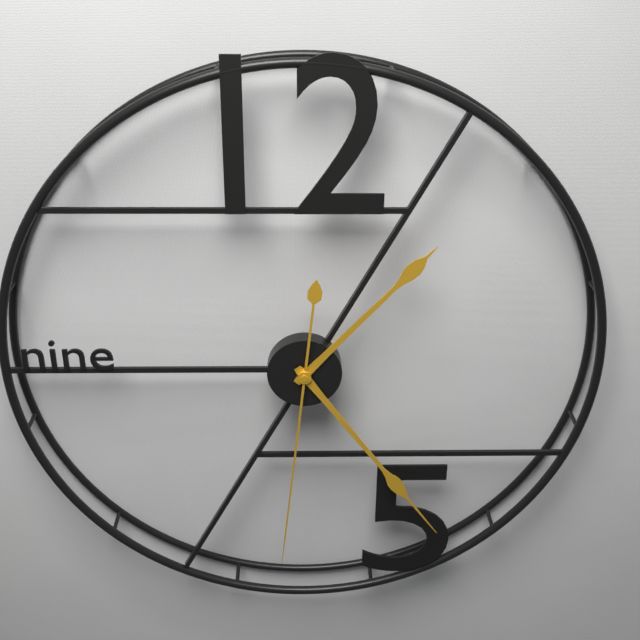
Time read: 1:24:31
